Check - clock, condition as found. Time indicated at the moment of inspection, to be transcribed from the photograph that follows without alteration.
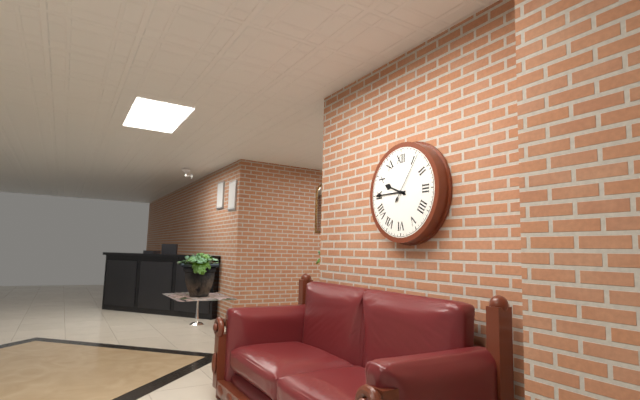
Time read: 9:45:06
